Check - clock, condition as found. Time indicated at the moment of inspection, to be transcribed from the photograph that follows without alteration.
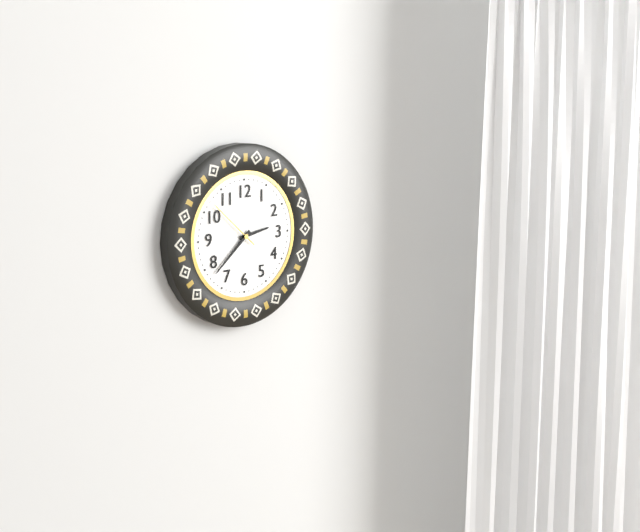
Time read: 2:38:52
